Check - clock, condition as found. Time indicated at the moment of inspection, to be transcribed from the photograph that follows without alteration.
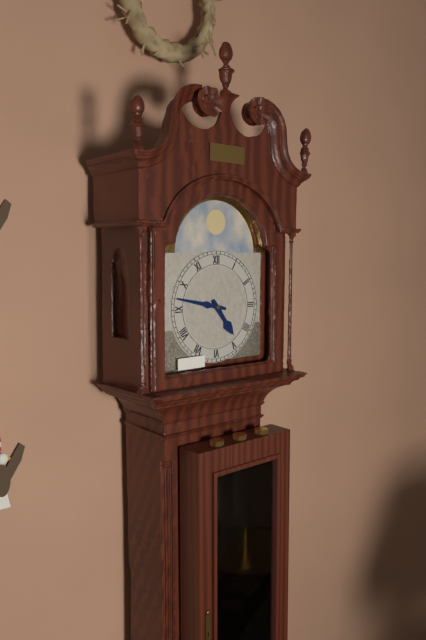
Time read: 4:47
